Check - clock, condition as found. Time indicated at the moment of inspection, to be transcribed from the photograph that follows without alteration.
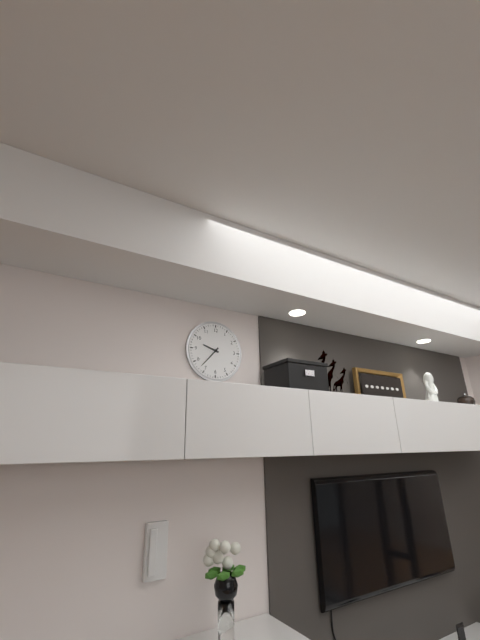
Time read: 9:37
